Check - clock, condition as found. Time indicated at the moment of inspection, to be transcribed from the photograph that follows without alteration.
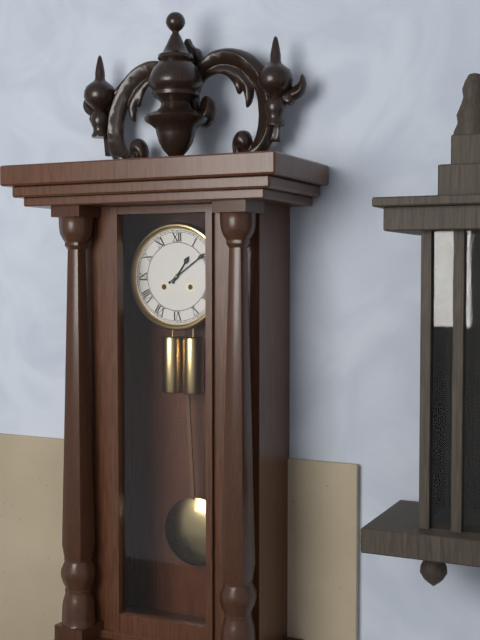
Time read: 1:09
